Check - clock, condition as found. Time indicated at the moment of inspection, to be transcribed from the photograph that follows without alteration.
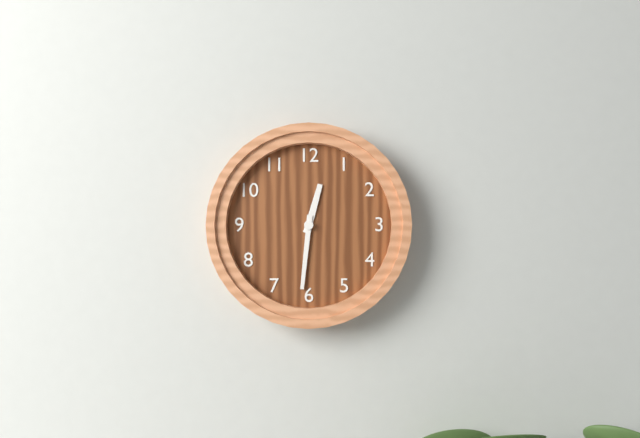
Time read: 12:31
